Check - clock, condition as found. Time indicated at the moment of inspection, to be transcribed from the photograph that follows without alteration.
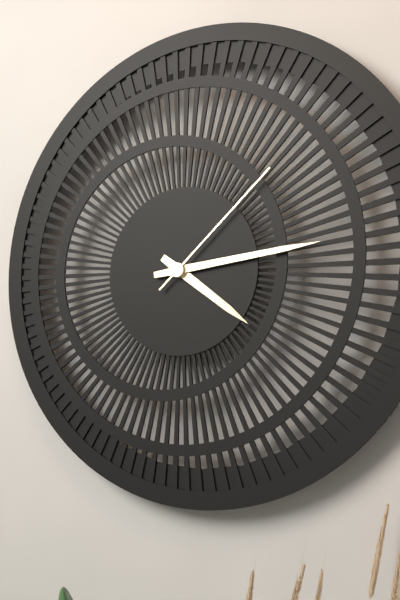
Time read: 4:14:08
